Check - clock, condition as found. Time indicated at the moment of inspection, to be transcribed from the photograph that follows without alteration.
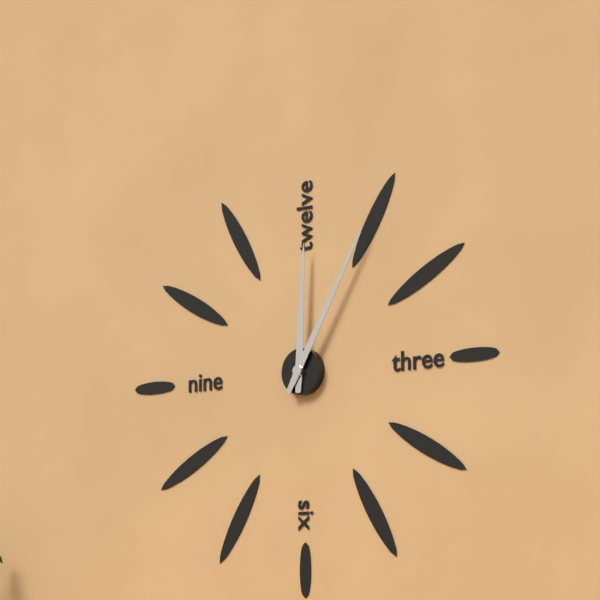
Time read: 12:05
